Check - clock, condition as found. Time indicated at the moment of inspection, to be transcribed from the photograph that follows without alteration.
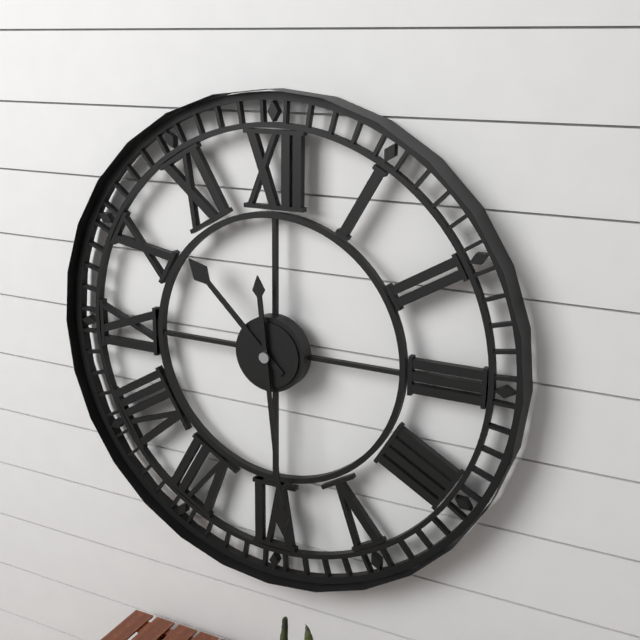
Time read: 10:29
